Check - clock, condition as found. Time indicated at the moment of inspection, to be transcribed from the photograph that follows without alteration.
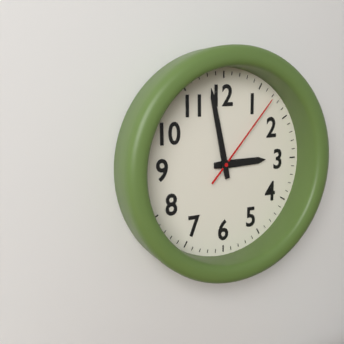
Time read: 2:58:07
